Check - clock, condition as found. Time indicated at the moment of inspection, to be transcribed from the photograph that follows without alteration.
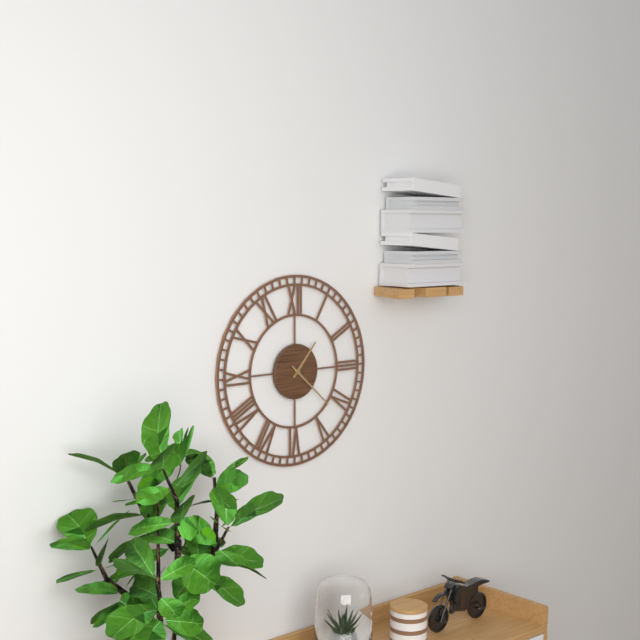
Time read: 1:22
